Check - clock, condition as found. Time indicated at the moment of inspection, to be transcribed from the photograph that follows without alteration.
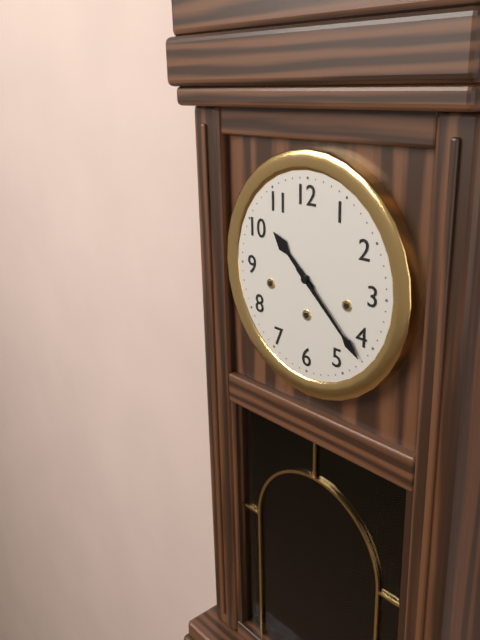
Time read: 10:22
